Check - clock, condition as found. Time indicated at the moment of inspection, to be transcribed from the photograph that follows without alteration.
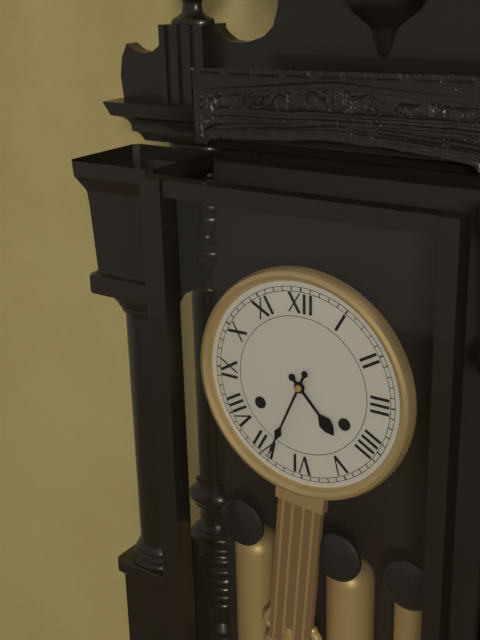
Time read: 4:34
